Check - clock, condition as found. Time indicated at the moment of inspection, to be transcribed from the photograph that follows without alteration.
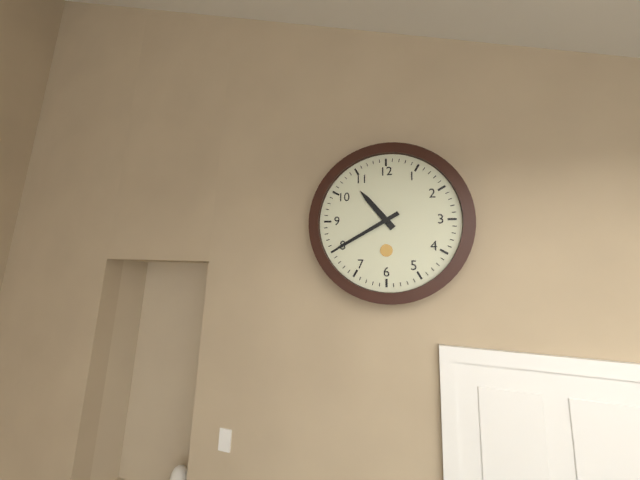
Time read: 10:40
